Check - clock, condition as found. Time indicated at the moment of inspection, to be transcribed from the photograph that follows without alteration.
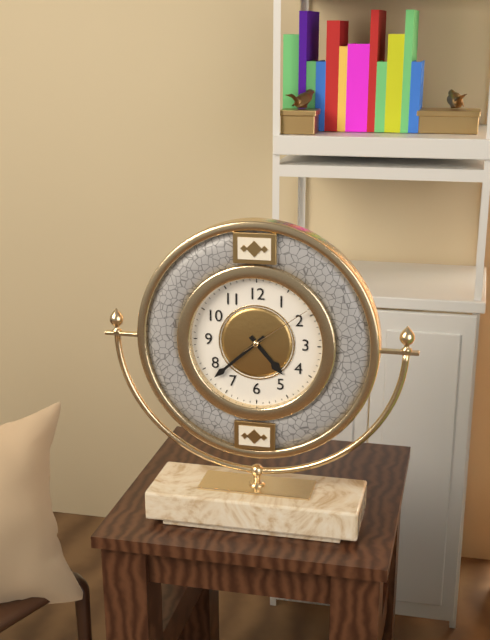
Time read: 4:38:09
